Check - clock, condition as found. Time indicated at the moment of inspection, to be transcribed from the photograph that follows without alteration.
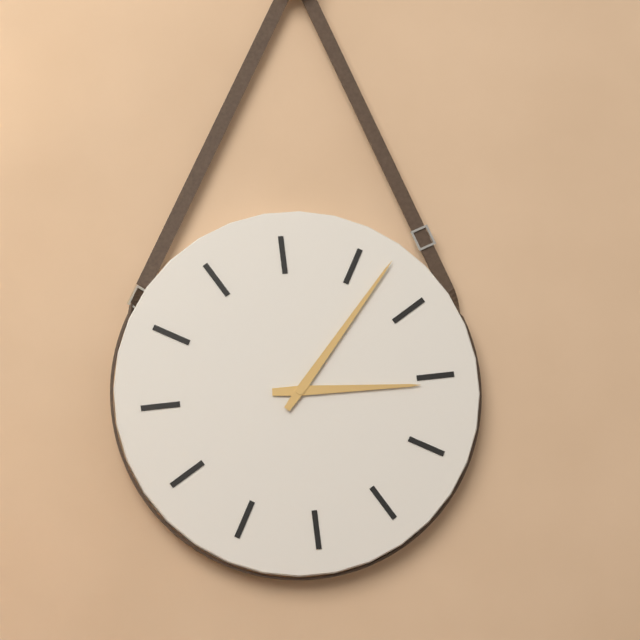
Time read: 3:07
